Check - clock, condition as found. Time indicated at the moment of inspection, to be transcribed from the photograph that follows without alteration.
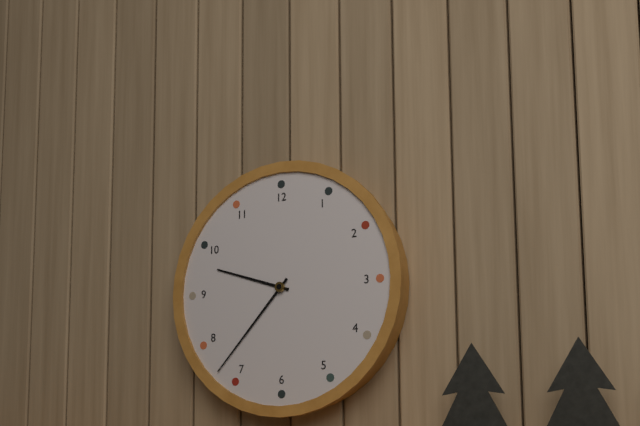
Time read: 9:37
